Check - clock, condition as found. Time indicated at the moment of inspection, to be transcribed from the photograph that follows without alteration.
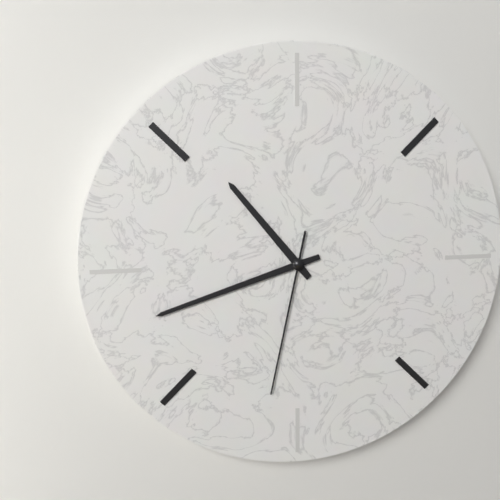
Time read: 10:42:32
